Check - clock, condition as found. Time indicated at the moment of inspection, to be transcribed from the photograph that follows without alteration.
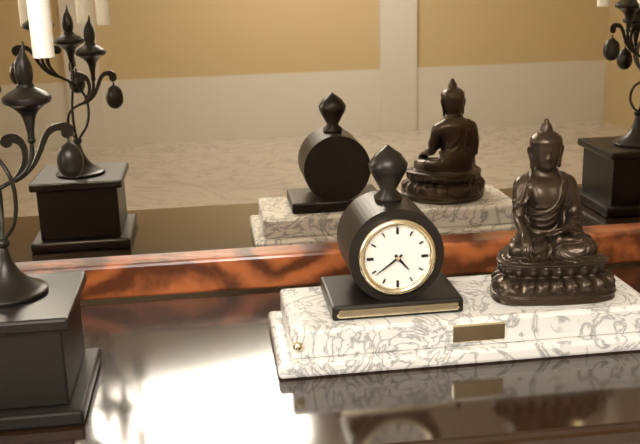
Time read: 4:39
